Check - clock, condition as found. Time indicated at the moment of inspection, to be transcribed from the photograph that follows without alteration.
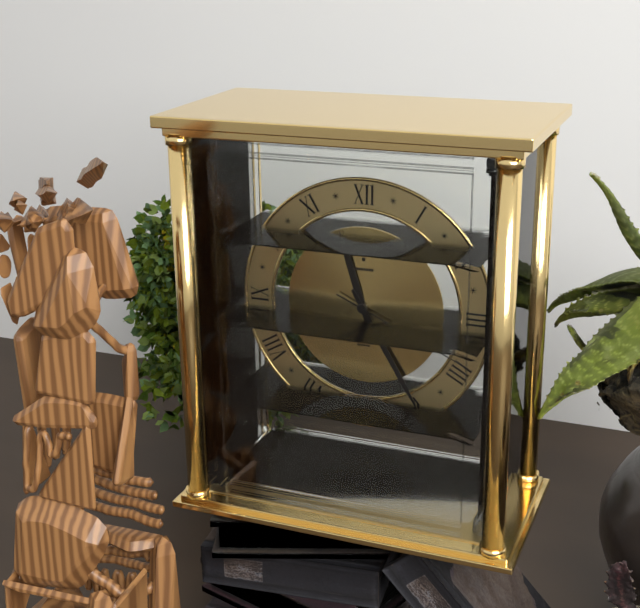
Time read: 11:25:19
